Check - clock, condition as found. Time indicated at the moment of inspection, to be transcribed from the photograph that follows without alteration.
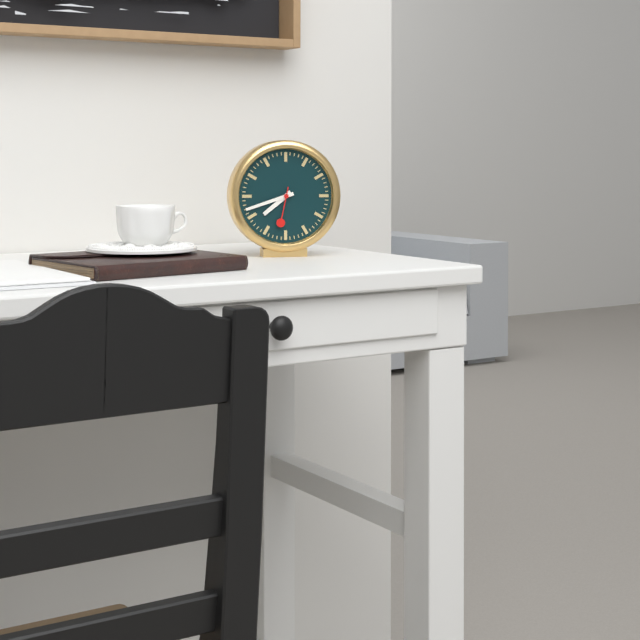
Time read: 7:42
